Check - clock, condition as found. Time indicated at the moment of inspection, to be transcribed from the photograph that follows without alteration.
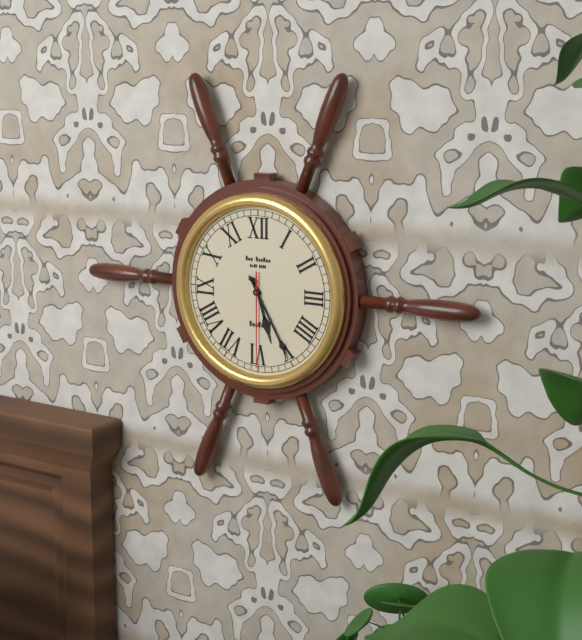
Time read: 5:25:30
